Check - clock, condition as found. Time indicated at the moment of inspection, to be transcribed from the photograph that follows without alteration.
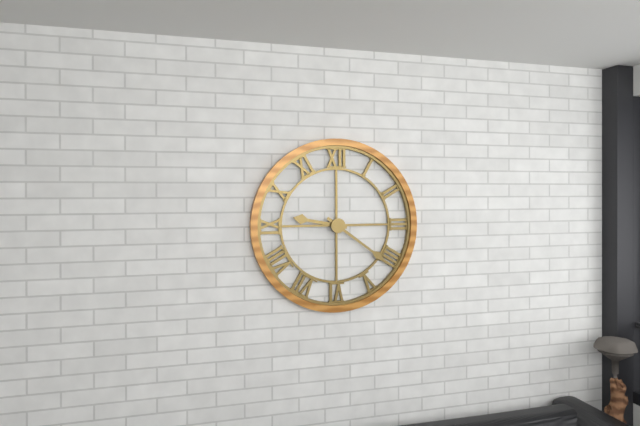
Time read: 9:21
